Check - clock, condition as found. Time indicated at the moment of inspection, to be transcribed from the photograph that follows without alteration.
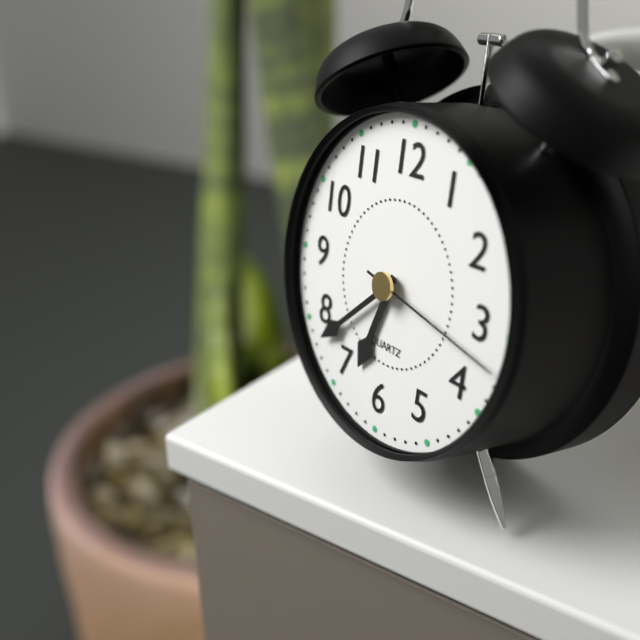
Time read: 6:38:17
